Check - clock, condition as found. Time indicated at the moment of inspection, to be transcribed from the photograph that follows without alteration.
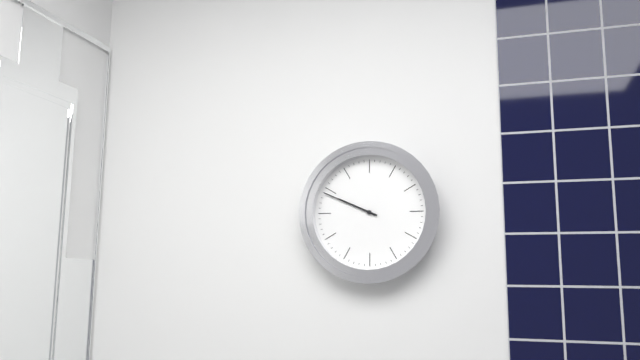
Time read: 9:49
